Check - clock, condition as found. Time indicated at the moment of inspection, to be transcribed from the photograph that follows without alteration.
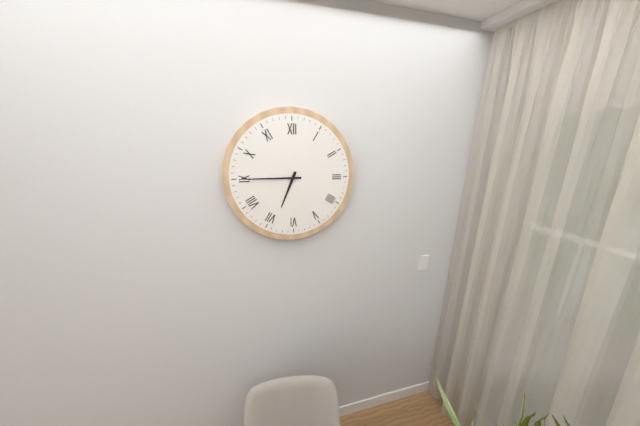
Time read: 6:45
